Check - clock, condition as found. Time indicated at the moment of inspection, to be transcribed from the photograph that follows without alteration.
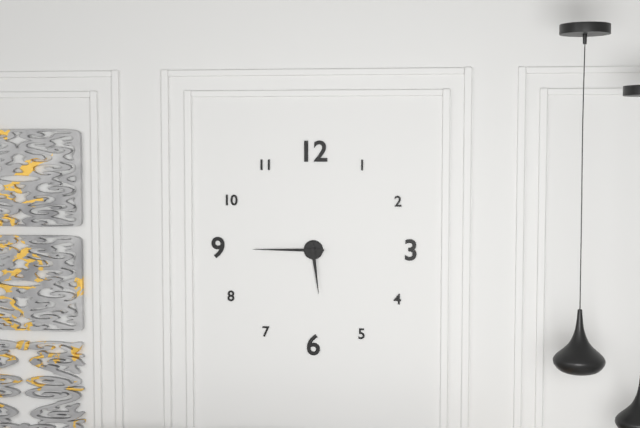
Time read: 5:45
